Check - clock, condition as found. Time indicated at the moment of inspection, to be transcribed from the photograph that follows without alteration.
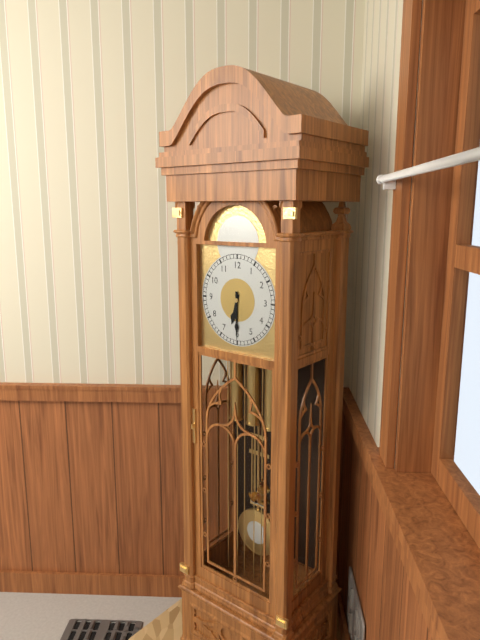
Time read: 6:30
